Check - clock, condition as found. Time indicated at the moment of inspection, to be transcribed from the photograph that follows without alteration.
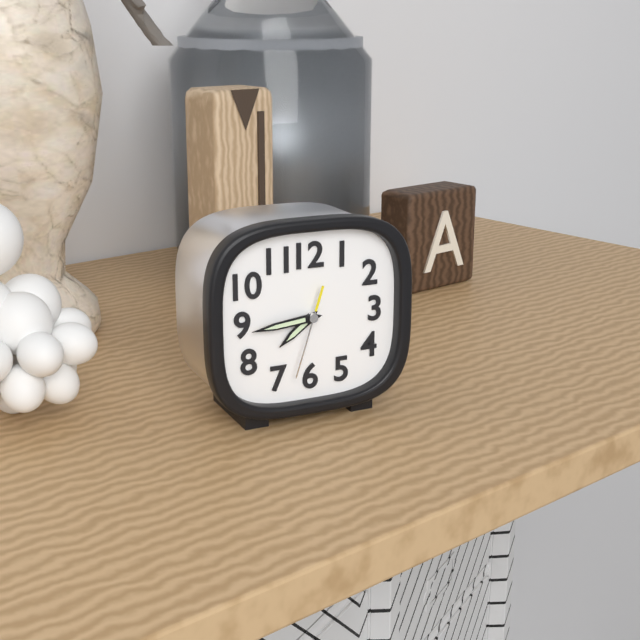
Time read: 7:44:33
